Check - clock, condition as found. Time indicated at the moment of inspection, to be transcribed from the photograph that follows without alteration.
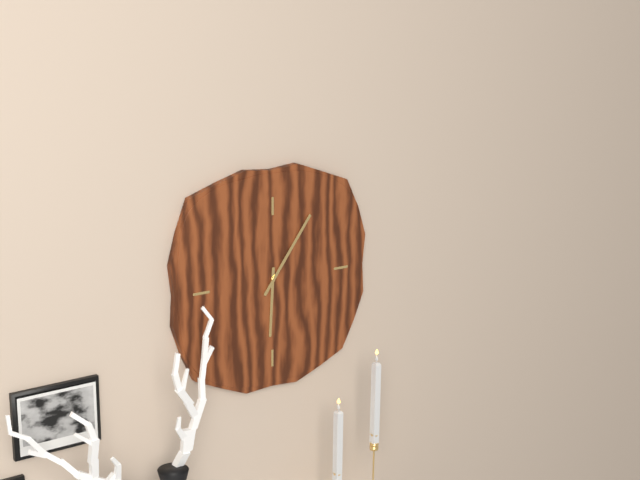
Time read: 6:06
